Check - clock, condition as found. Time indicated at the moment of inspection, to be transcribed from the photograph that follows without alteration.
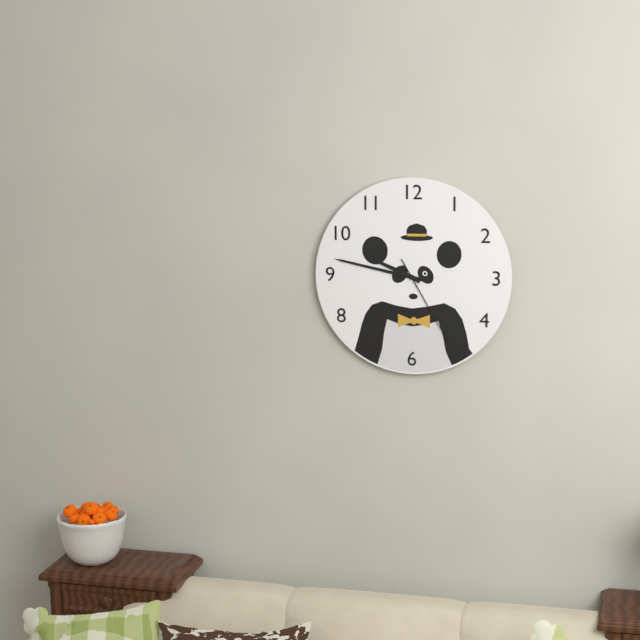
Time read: 9:47:25
